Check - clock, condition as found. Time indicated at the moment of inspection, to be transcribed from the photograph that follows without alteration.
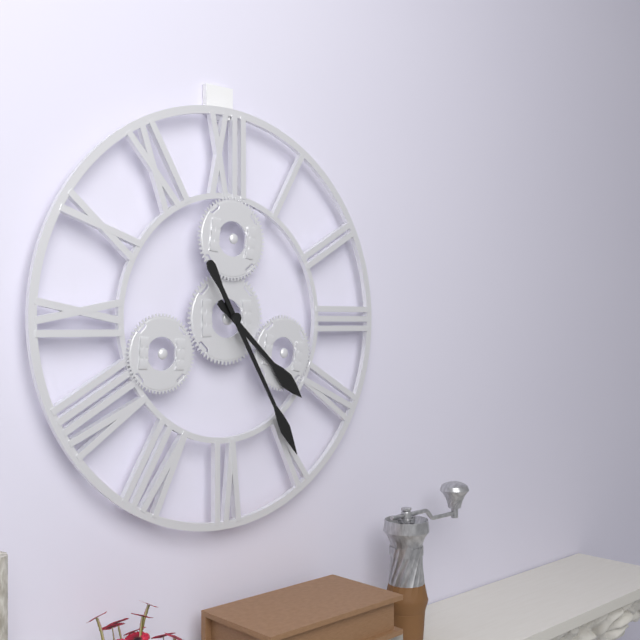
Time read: 4:25
